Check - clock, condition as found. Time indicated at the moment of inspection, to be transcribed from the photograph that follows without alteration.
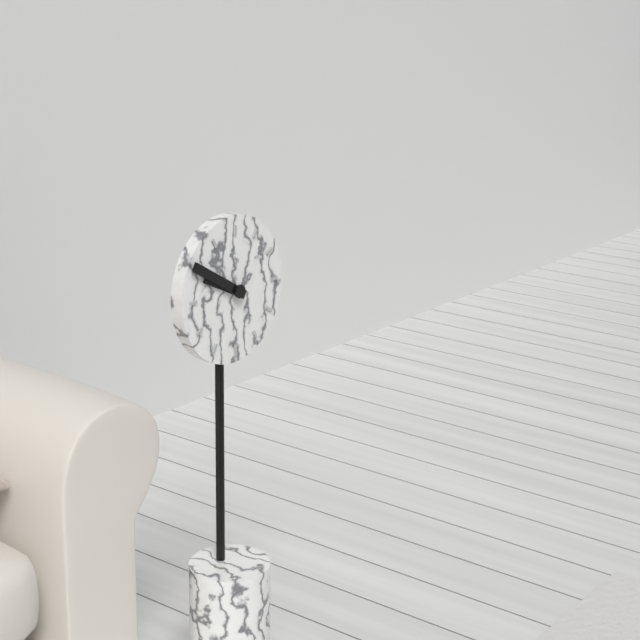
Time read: 9:50
